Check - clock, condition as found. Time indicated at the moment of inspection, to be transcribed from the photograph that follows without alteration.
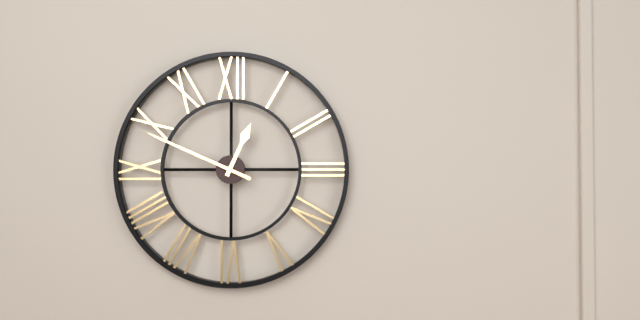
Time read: 12:49
